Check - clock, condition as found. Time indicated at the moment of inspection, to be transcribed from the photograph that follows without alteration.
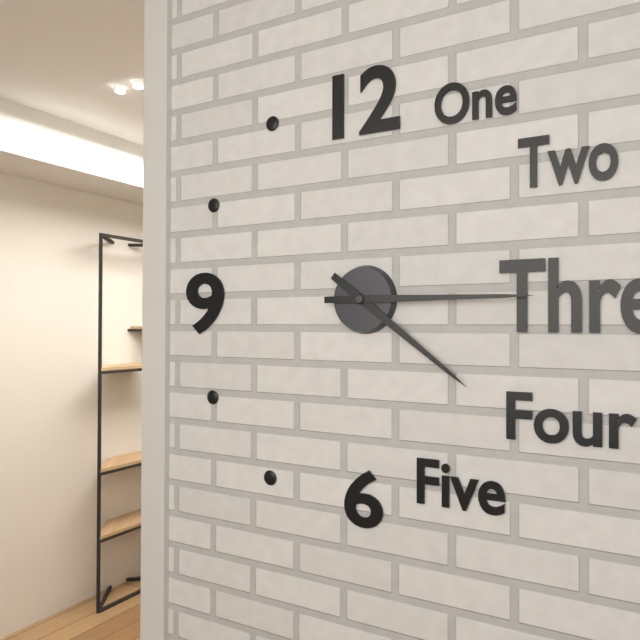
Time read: 4:15
